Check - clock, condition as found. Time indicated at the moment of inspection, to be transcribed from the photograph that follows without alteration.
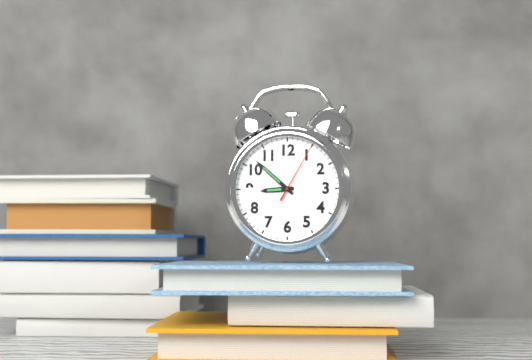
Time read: 8:52:05
